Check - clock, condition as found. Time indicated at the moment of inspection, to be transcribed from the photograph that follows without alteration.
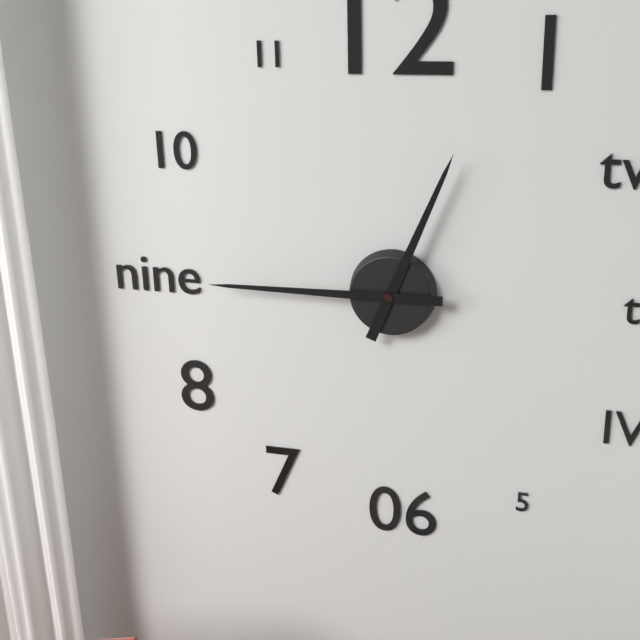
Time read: 12:45
